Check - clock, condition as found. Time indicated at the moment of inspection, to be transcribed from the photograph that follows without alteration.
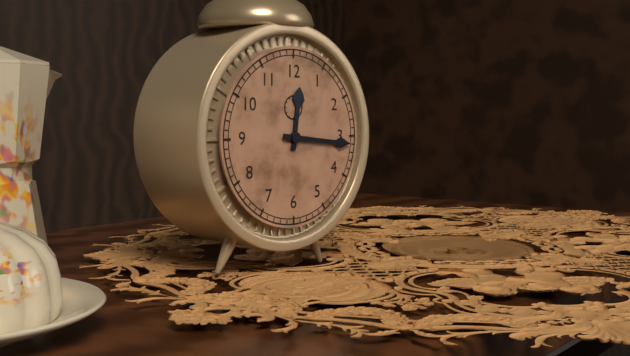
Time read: 12:16
